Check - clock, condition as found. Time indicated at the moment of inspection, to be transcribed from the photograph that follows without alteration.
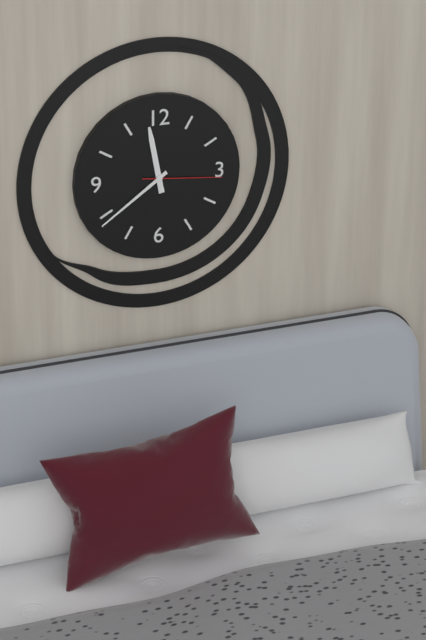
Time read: 11:39:16
